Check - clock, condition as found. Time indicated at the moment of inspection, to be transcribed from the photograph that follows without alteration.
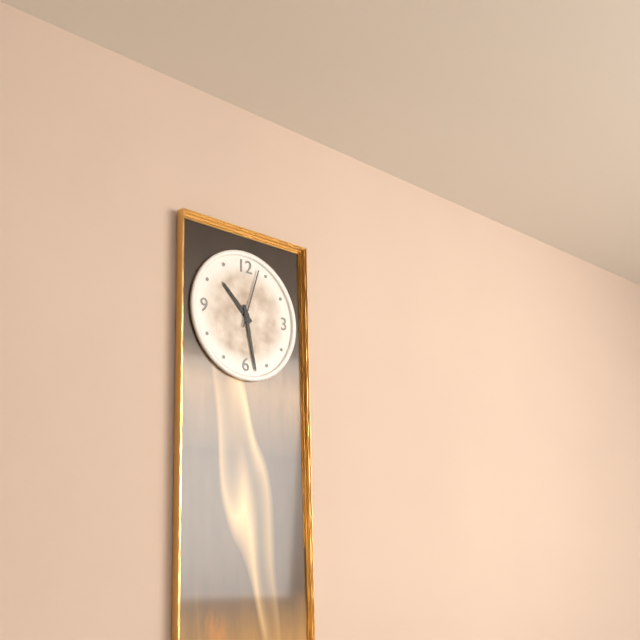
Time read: 10:28:03
